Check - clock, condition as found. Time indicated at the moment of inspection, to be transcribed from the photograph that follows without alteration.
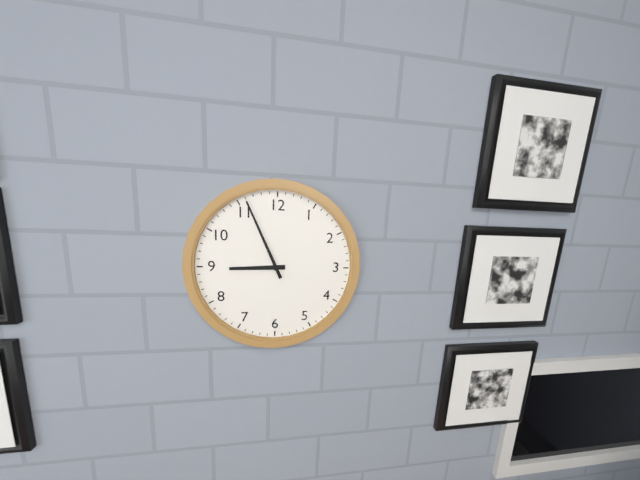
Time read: 8:56
